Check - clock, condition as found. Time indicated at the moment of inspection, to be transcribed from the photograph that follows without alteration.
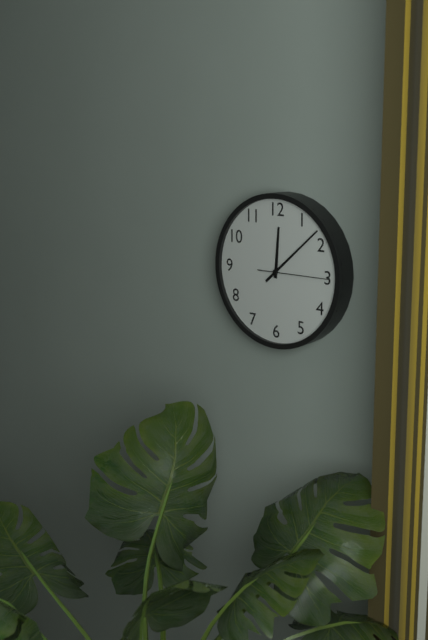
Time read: 12:08:15
